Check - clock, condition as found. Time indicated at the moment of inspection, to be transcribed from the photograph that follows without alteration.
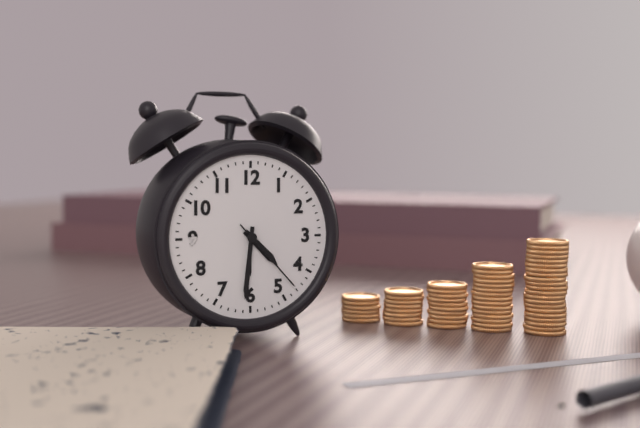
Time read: 4:31:23
